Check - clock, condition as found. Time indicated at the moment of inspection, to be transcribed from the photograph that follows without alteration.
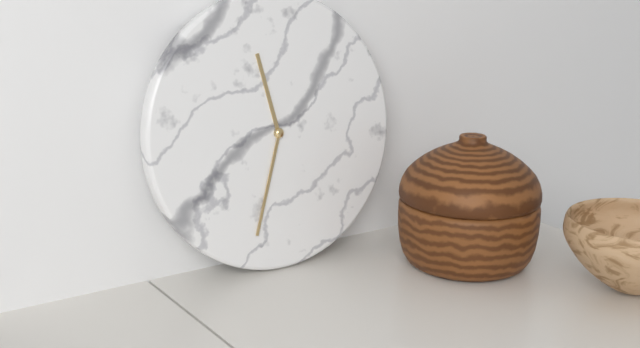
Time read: 11:33
